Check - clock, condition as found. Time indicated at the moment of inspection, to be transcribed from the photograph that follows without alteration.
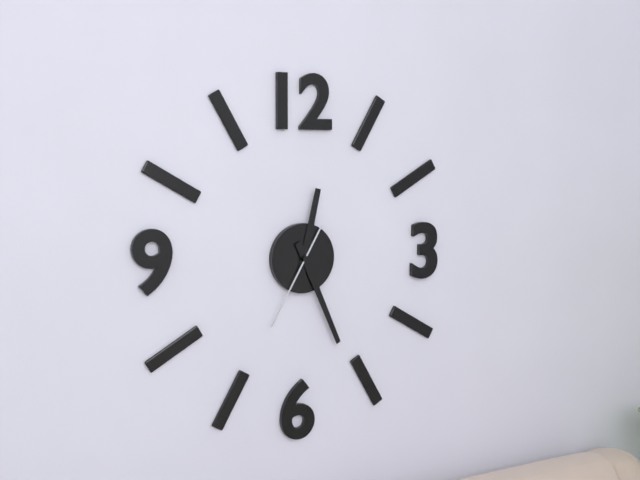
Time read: 12:26:35
